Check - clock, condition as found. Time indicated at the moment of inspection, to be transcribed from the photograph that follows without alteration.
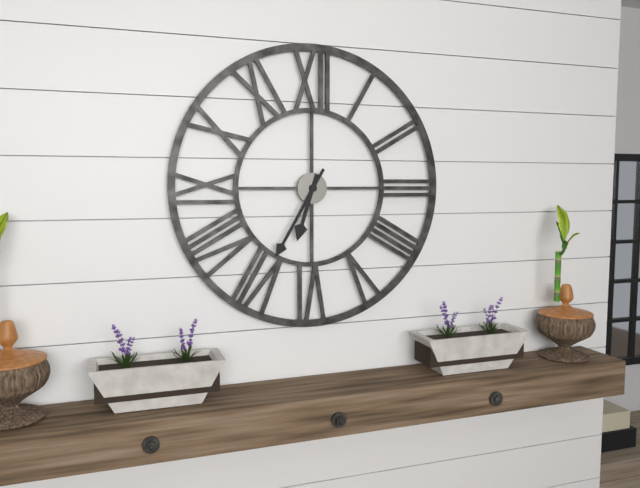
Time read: 6:35
